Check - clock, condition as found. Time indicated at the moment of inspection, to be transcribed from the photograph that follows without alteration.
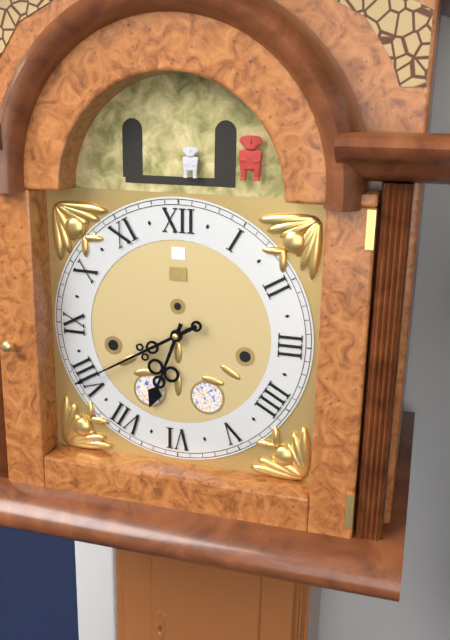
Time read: 6:40
